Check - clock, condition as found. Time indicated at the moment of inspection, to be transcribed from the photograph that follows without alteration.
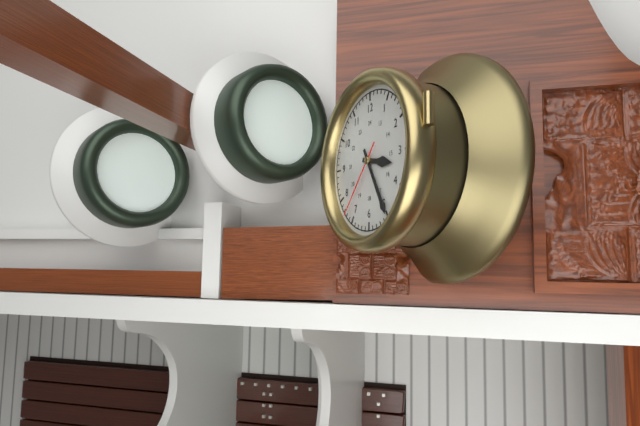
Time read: 3:25:37
